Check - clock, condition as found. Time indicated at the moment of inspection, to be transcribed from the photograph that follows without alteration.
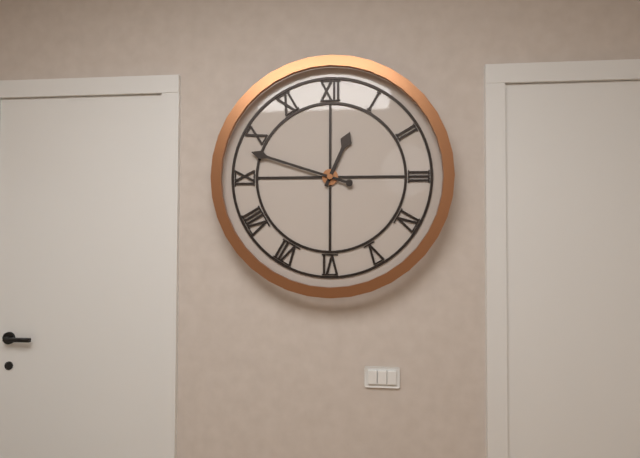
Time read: 12:48
